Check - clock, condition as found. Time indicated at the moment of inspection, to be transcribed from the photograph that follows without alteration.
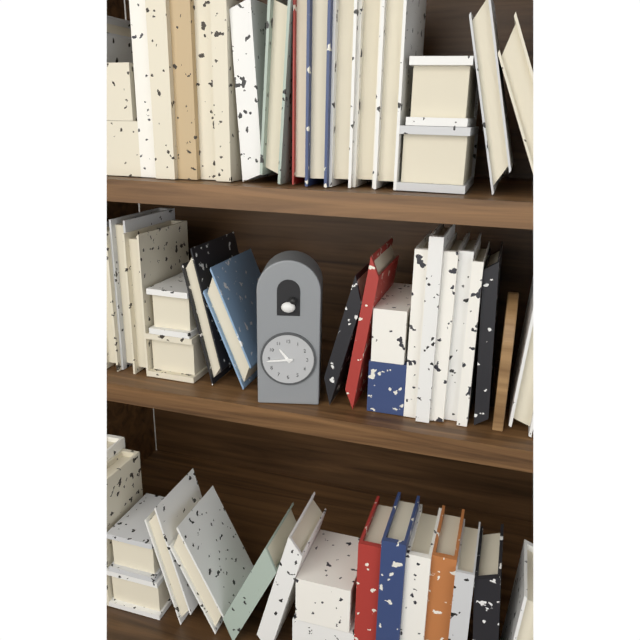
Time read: 10:44
